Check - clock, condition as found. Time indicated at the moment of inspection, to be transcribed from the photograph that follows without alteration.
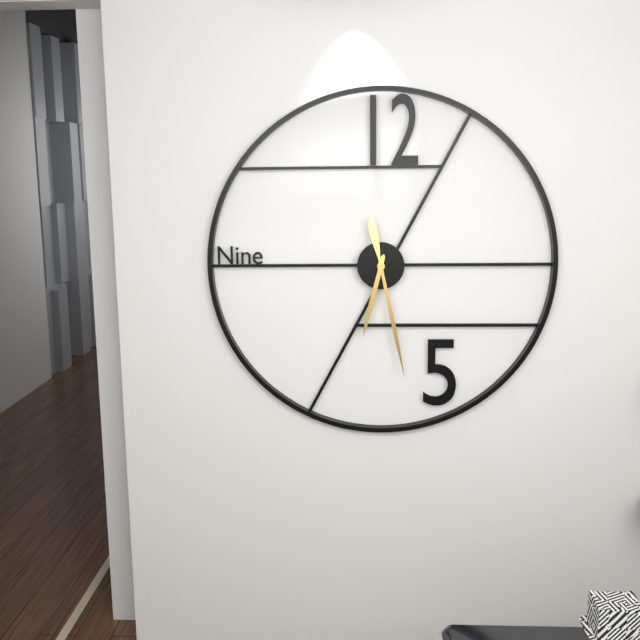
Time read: 6:28
